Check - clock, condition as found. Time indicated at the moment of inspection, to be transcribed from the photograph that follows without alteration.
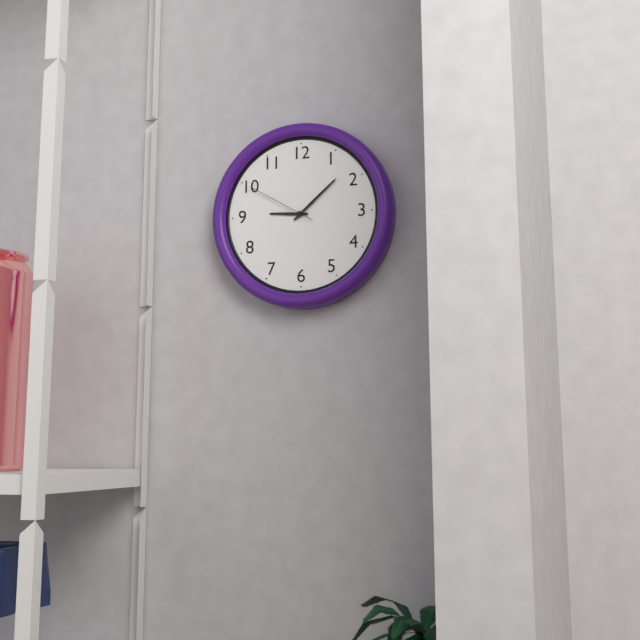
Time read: 9:08:50
